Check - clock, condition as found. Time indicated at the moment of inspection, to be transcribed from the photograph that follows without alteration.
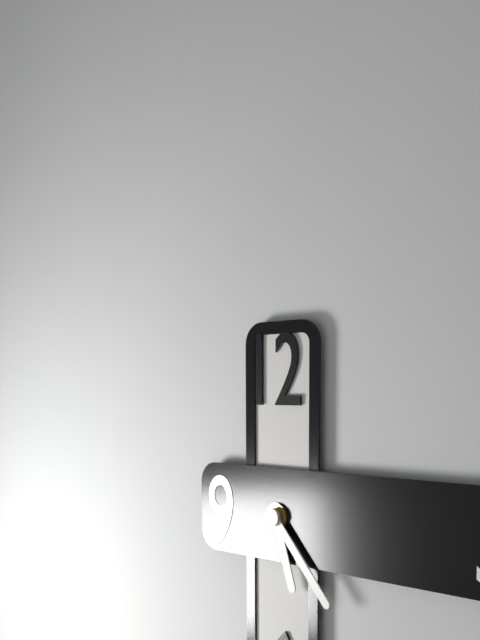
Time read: 5:23
